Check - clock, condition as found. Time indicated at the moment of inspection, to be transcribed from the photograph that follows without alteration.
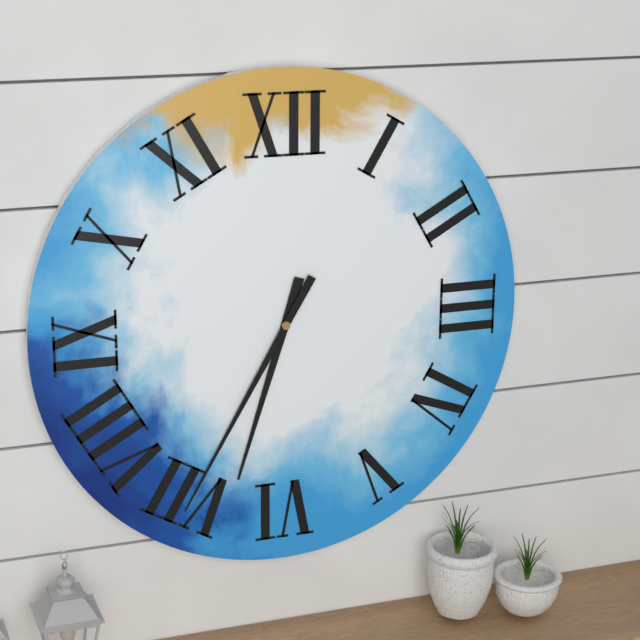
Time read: 6:35
